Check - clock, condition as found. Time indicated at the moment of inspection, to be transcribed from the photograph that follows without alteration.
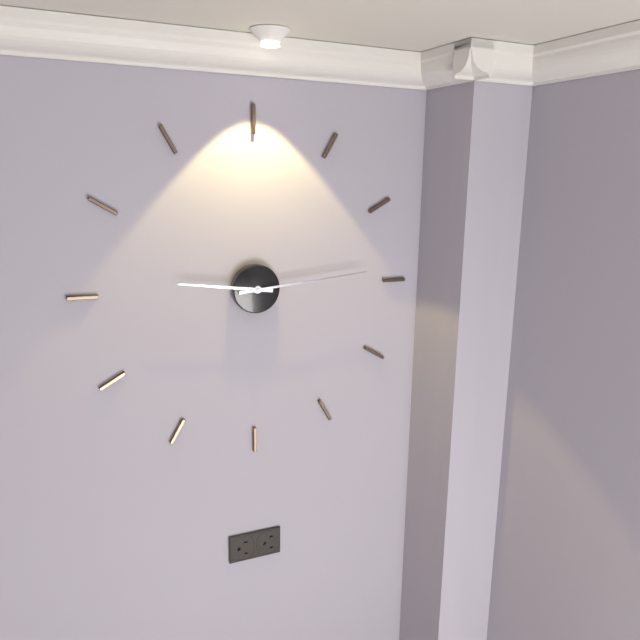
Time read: 9:14
